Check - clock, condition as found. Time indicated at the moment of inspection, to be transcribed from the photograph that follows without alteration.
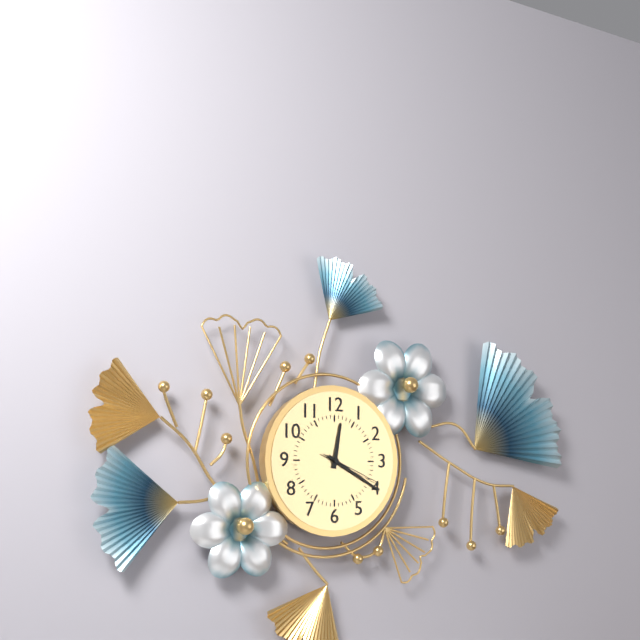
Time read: 12:20:19
